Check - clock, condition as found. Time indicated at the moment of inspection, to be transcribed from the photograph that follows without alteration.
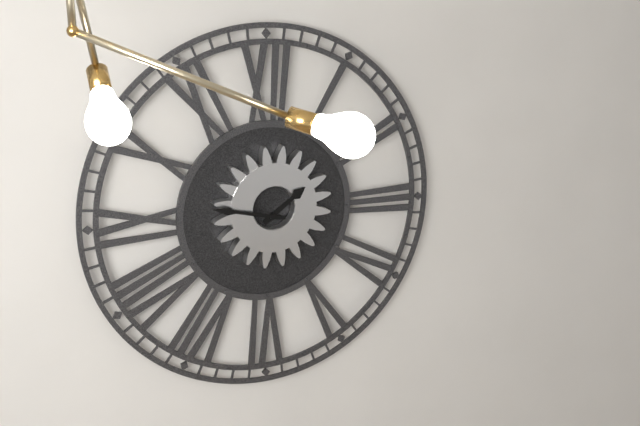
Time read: 1:47
